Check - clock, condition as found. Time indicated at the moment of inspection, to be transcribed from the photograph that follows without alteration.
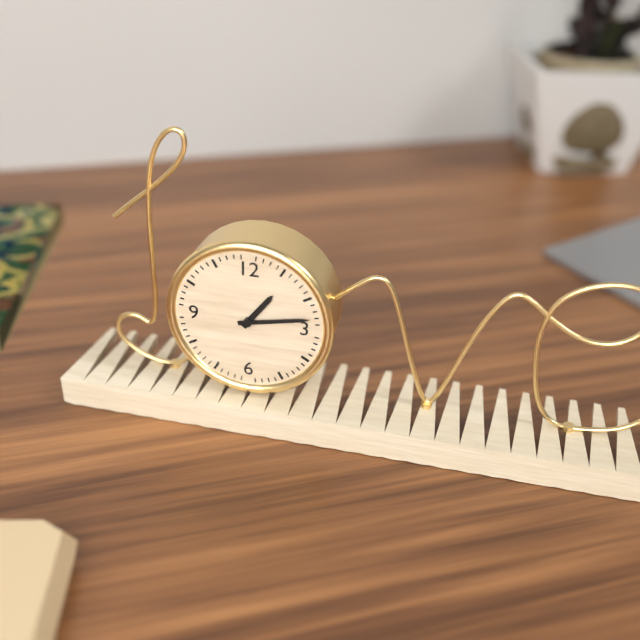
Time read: 1:13
